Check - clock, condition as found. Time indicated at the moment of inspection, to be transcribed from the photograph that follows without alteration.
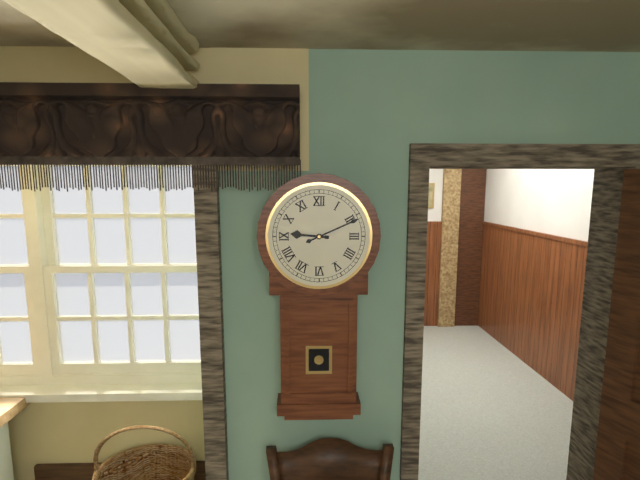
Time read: 9:11
